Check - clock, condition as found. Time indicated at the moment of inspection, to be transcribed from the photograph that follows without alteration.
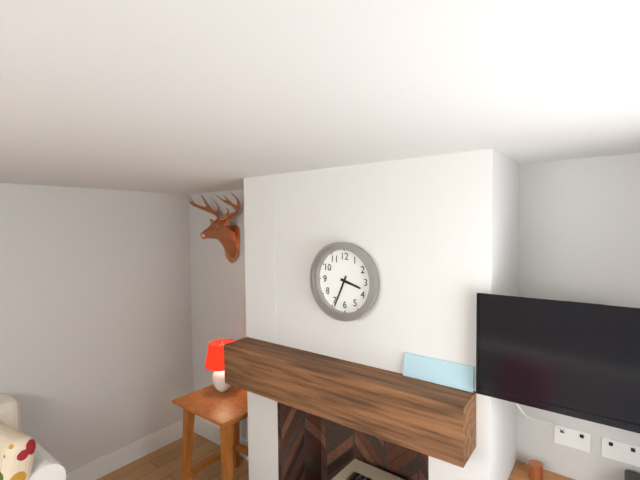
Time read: 3:34
